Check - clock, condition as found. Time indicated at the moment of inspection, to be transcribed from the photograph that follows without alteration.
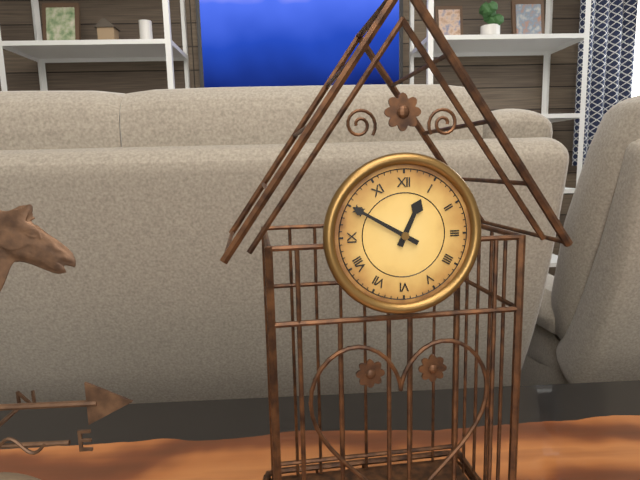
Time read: 12:50
